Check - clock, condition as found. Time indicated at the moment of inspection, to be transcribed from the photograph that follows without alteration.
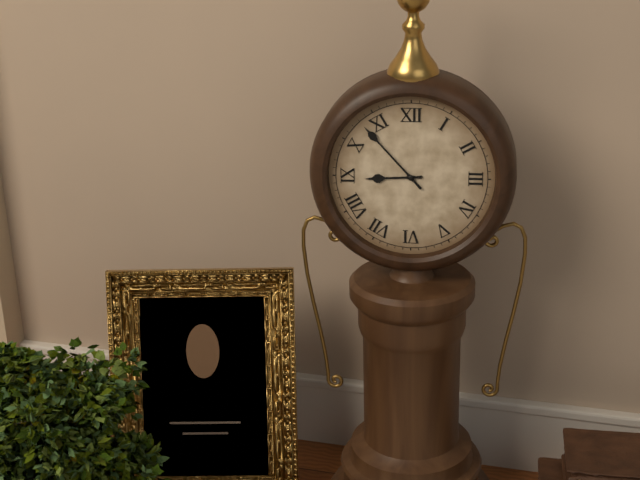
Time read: 8:53
